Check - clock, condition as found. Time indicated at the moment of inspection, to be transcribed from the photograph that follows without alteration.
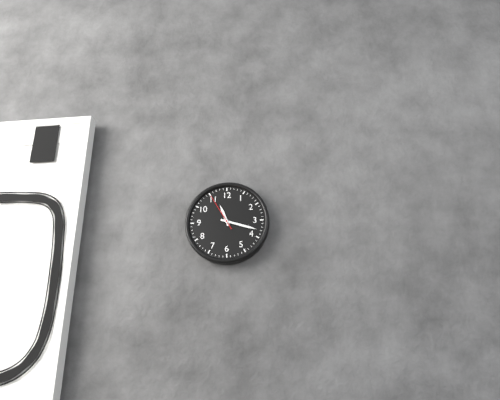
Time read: 11:18
